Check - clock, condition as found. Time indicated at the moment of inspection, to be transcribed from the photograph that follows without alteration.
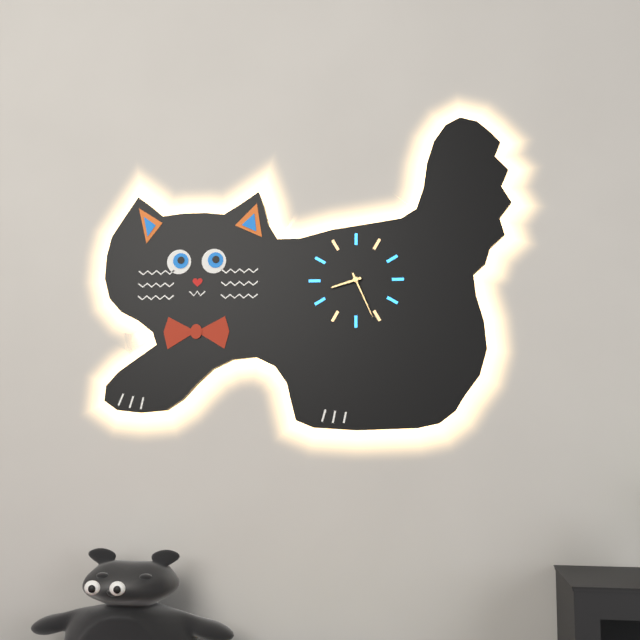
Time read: 8:26
